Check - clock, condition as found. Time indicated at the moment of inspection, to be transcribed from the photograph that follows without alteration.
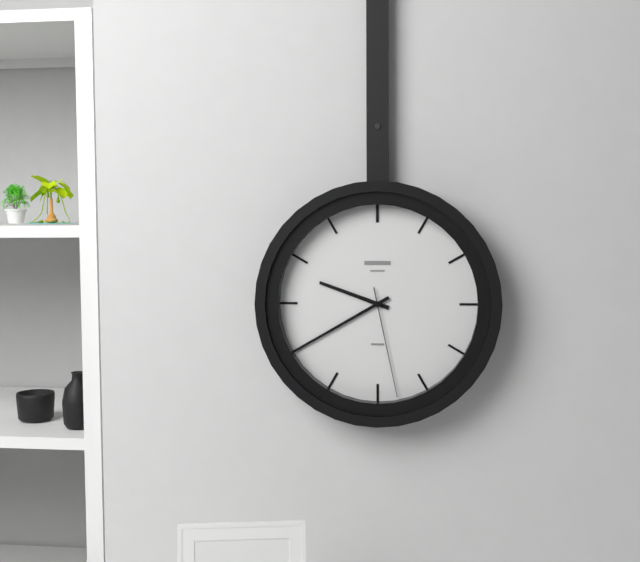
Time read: 9:40:28
